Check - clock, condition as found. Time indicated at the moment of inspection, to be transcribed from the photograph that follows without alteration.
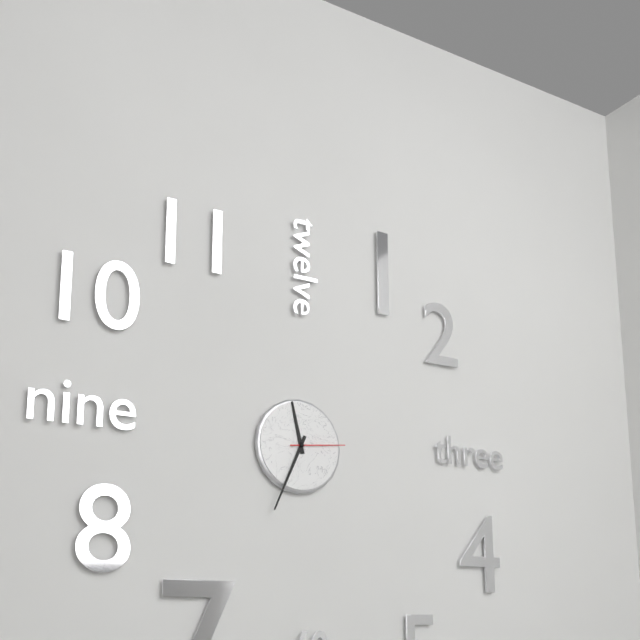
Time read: 11:34:14
